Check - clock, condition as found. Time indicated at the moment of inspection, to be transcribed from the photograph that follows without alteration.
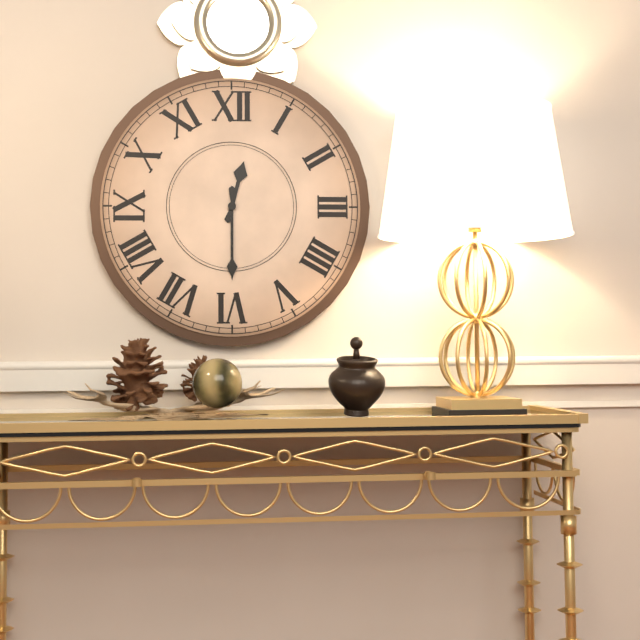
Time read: 12:30
